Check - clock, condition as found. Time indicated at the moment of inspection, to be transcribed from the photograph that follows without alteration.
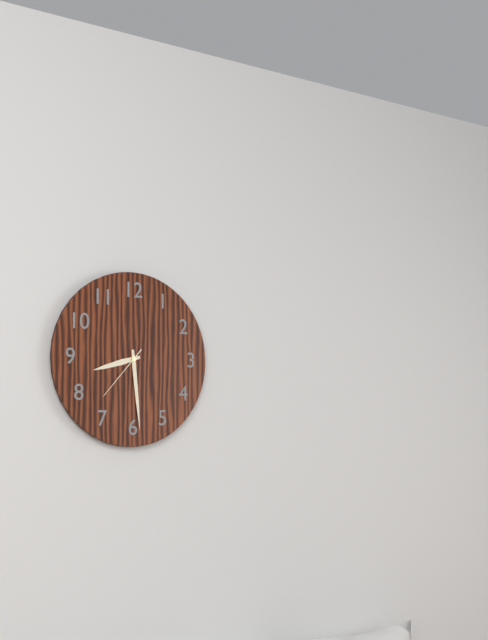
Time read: 8:29:37
